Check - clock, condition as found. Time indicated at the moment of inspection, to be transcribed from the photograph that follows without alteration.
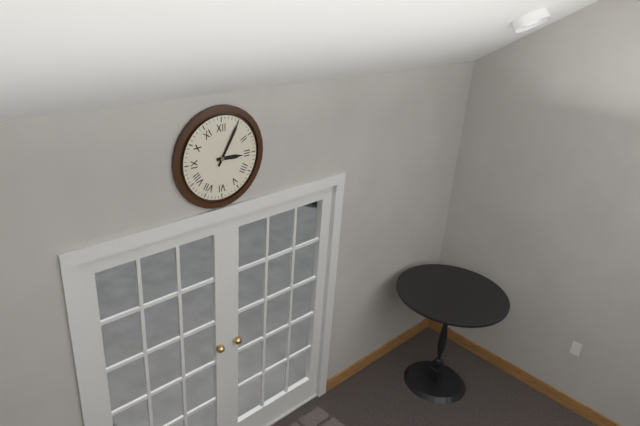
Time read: 3:05
